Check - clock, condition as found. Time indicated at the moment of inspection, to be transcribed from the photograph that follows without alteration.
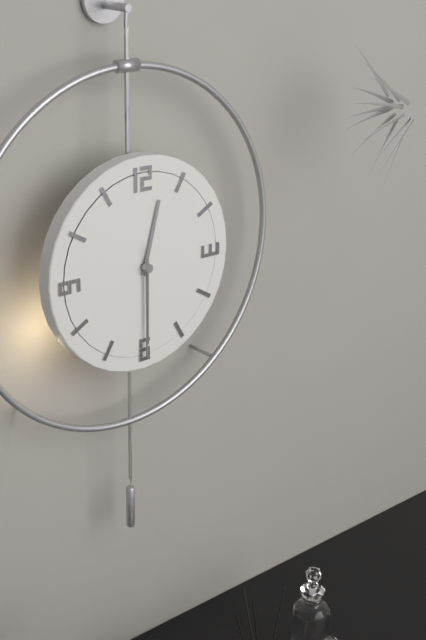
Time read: 12:30:30
